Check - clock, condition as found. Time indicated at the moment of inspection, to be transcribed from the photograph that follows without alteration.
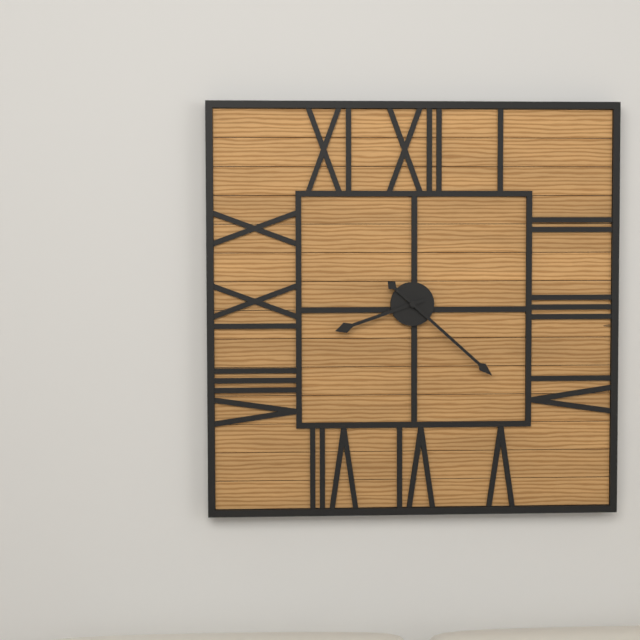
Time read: 8:22
